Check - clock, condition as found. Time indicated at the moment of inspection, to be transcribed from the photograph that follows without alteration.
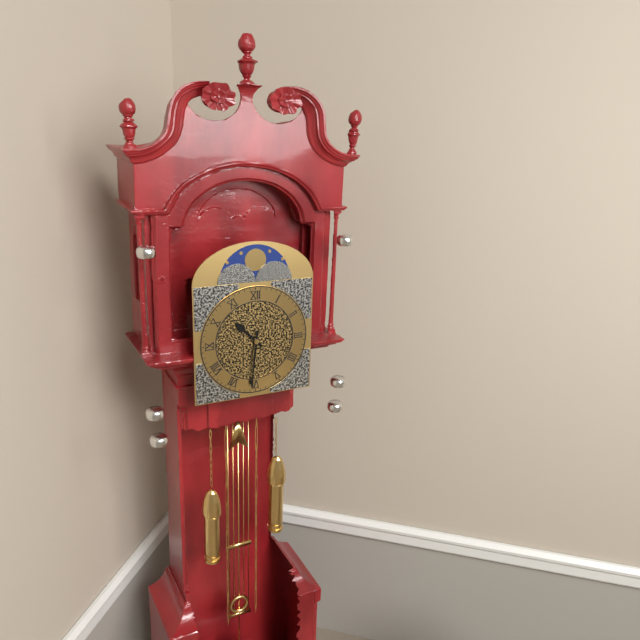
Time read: 10:31
